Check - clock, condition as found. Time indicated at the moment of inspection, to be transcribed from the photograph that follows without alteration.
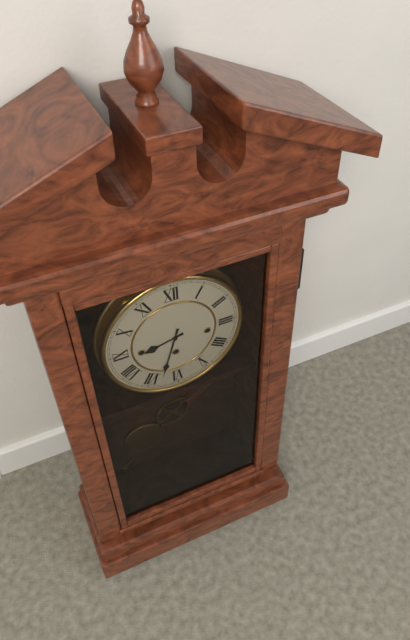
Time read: 8:33
